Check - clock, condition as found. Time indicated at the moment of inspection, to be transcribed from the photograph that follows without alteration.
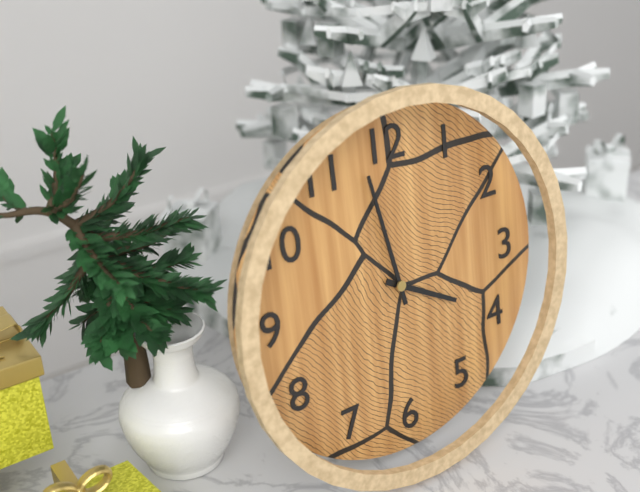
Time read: 3:58
